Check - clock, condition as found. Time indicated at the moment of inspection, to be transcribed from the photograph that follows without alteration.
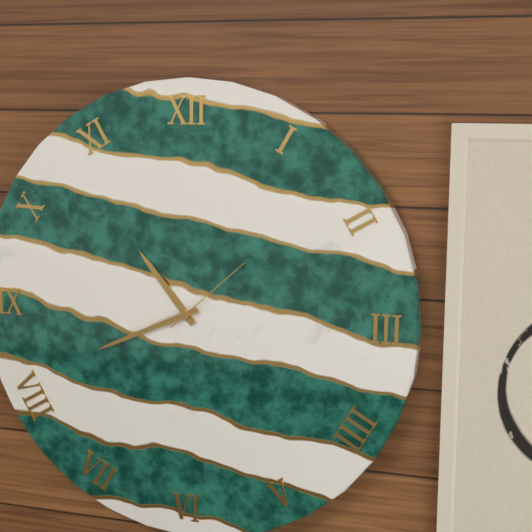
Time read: 10:41:08
